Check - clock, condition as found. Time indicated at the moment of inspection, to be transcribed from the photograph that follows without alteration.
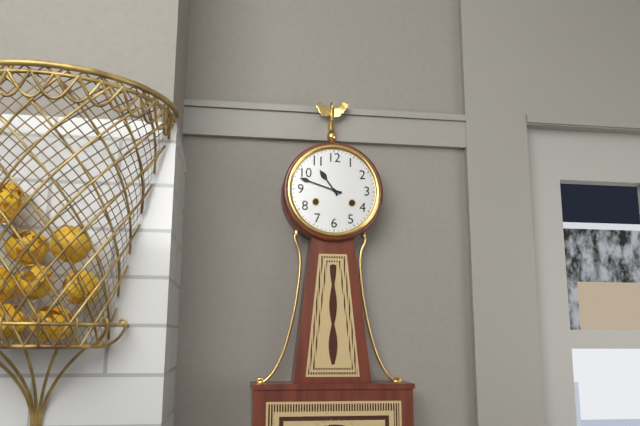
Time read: 10:48
